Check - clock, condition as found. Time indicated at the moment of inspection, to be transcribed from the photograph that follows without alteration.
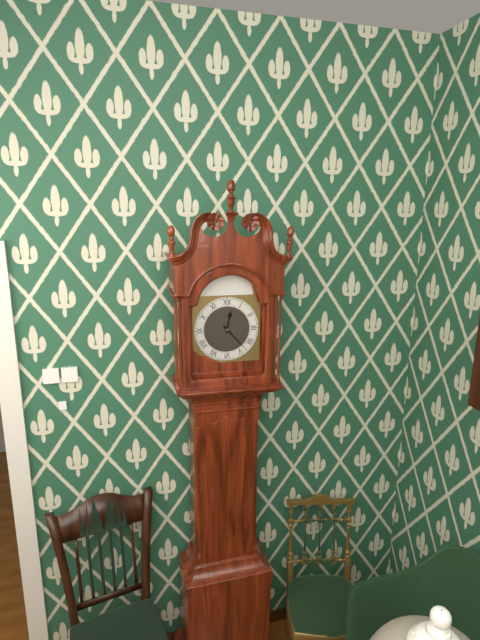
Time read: 12:23
